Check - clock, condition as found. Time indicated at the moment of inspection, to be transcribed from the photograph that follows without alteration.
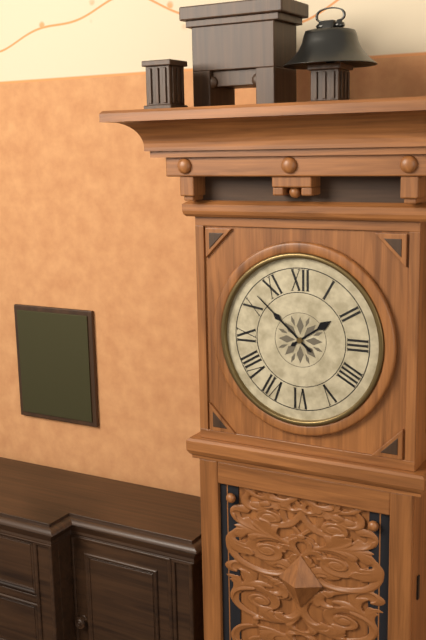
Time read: 1:52
